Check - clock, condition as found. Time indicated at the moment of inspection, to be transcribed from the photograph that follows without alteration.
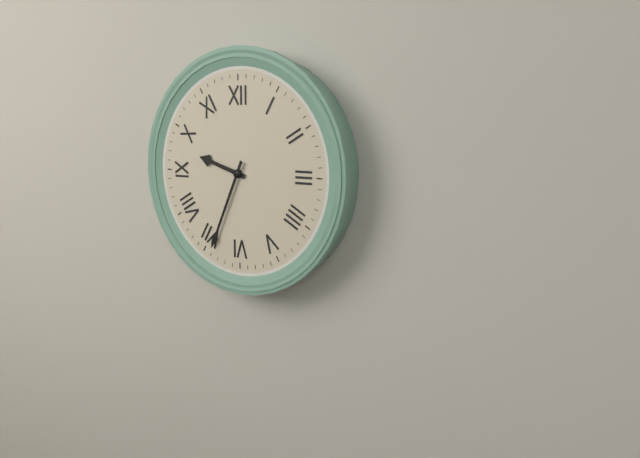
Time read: 9:34
